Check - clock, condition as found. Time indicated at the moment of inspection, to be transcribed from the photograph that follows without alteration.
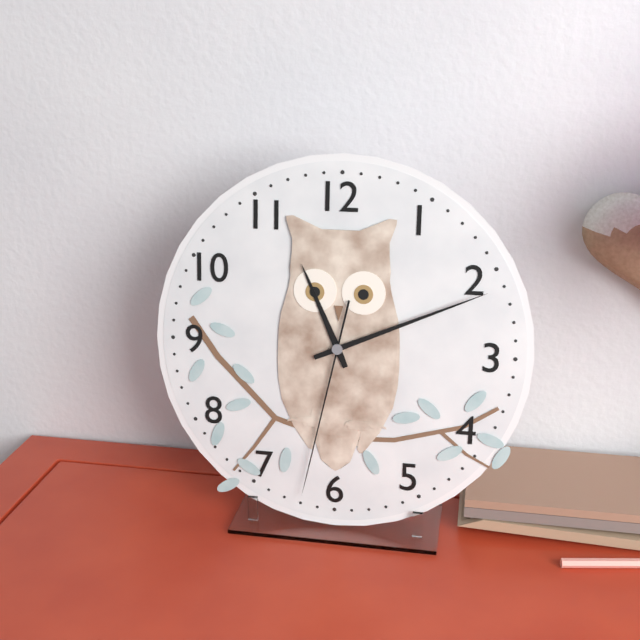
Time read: 11:11:32
